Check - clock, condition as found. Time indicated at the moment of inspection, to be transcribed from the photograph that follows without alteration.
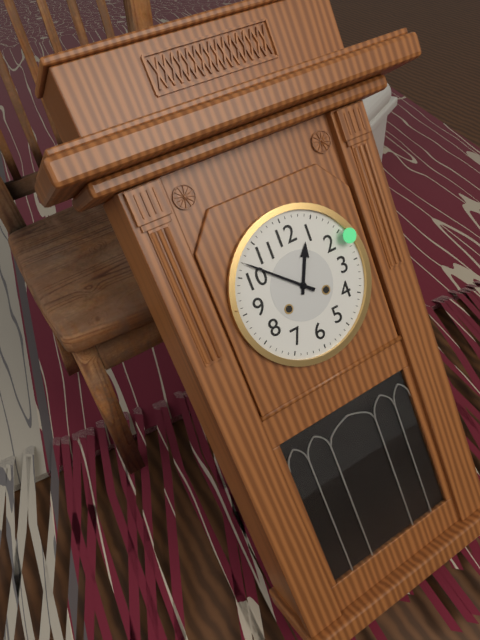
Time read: 12:52
